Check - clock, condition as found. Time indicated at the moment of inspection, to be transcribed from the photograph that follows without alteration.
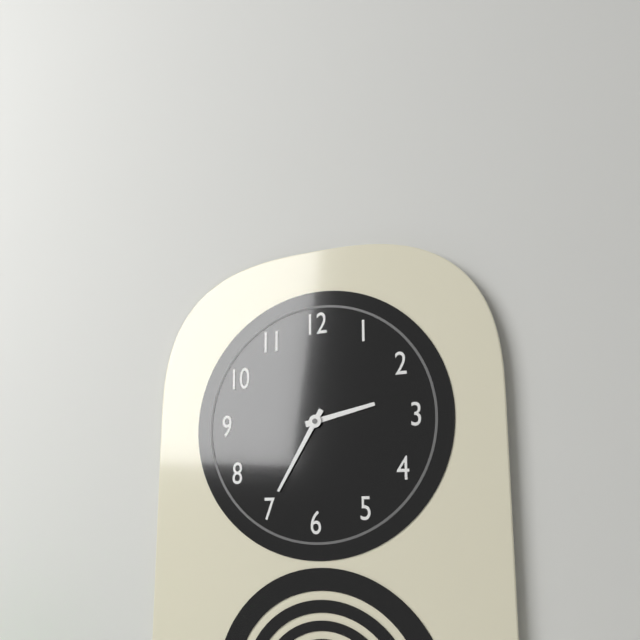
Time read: 2:35
